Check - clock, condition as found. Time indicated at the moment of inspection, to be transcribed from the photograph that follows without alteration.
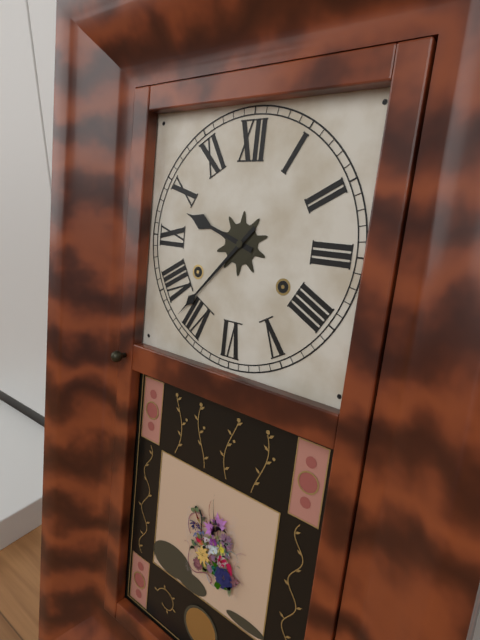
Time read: 9:37
